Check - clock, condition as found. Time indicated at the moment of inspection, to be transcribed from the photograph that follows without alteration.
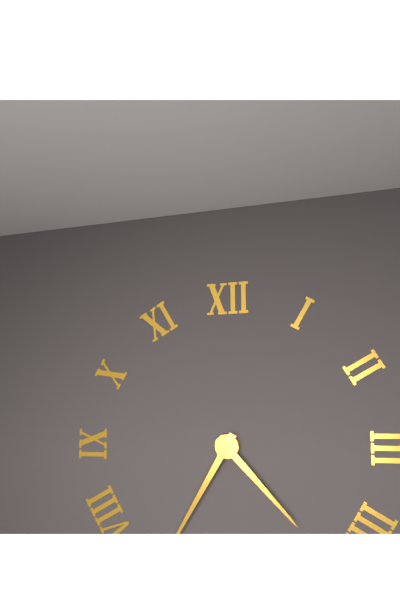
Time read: 4:35
